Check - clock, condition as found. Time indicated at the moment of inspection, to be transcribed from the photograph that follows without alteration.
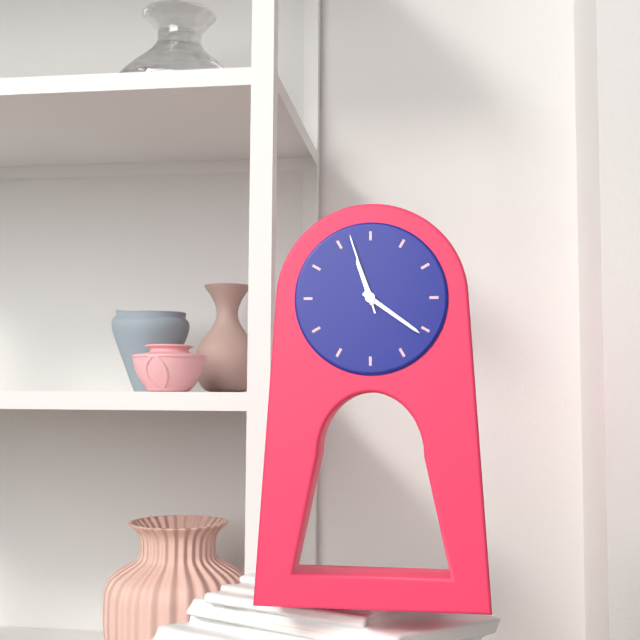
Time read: 11:21:57
